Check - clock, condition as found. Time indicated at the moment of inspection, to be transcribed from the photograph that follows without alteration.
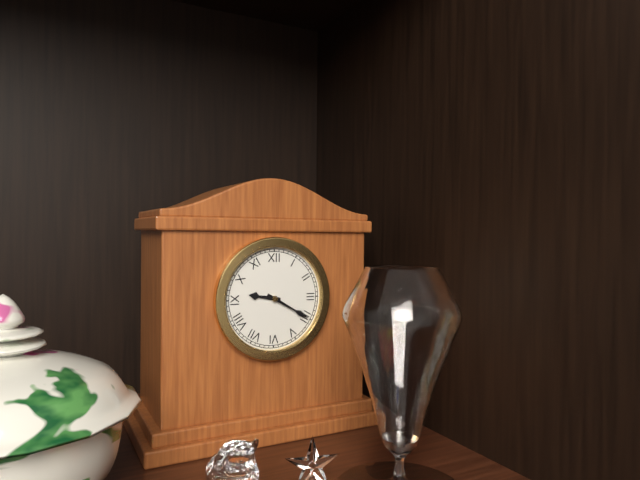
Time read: 9:20
